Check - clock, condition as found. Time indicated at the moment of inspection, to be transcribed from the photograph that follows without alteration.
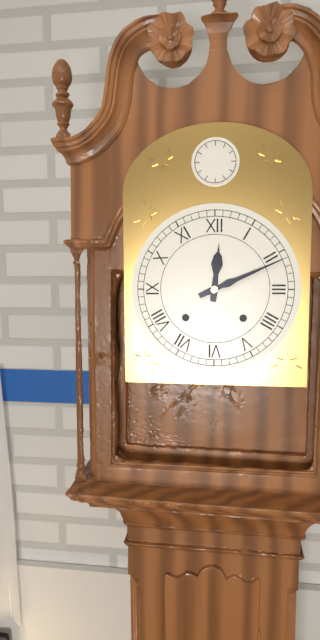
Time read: 12:11
